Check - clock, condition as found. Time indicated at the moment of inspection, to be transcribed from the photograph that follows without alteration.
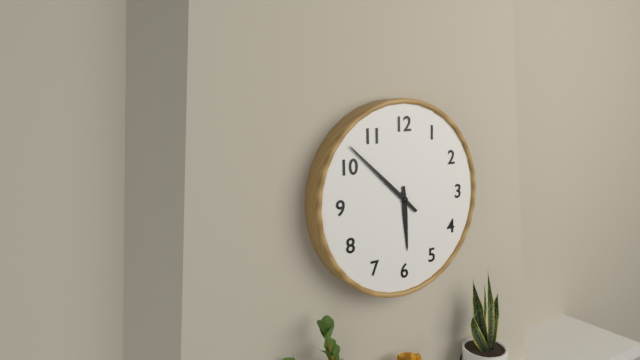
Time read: 5:52
